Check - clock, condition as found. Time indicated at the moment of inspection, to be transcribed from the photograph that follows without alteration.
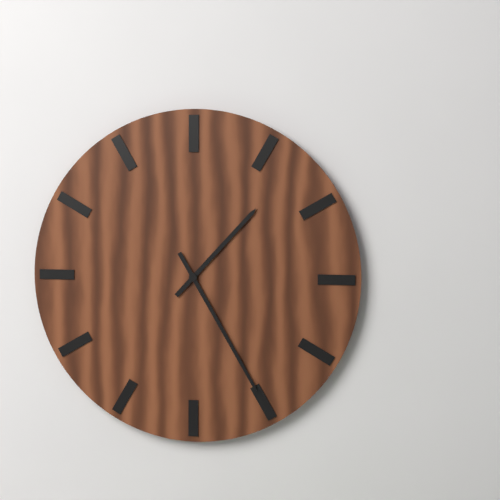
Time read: 1:25
